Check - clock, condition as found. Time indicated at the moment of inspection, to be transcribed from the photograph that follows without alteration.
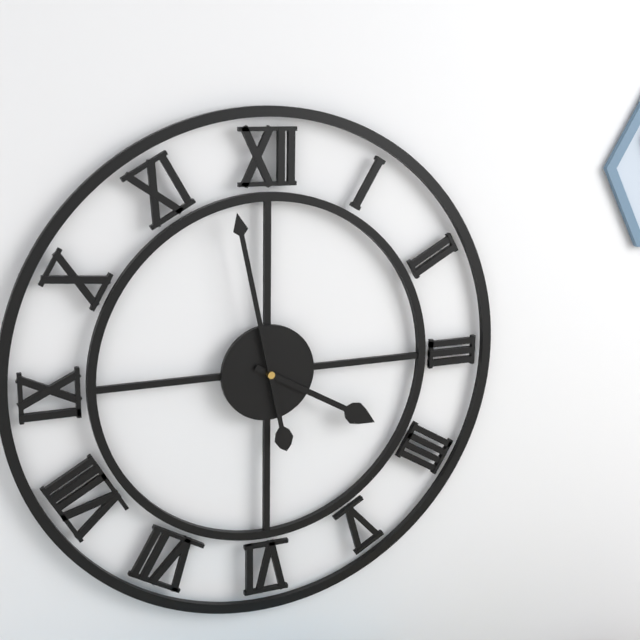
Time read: 3:58
